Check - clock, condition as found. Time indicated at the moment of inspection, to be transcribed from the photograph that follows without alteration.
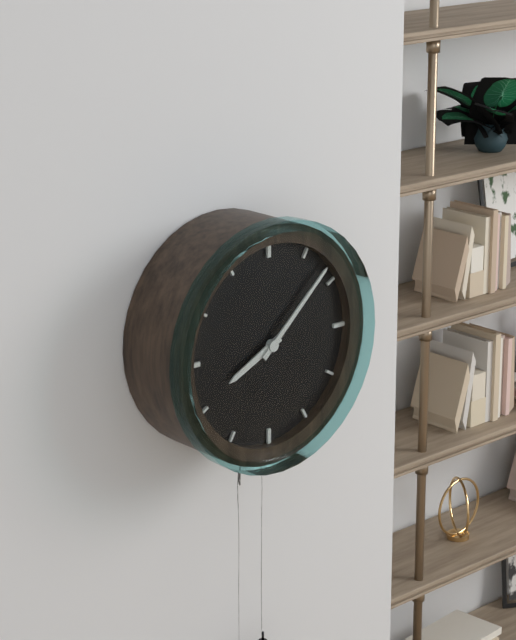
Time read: 8:08
